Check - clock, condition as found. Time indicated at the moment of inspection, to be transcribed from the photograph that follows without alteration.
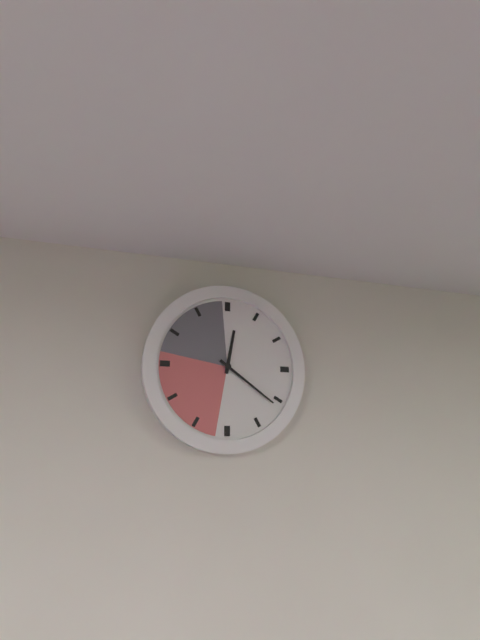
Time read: 12:21
